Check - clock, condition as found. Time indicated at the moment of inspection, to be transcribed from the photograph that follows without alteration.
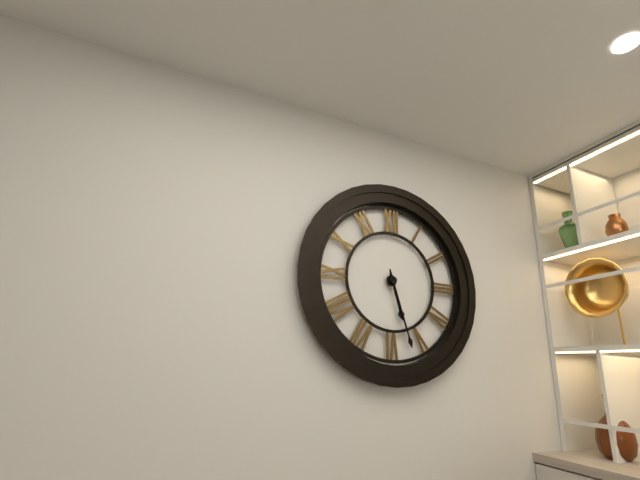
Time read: 5:27
